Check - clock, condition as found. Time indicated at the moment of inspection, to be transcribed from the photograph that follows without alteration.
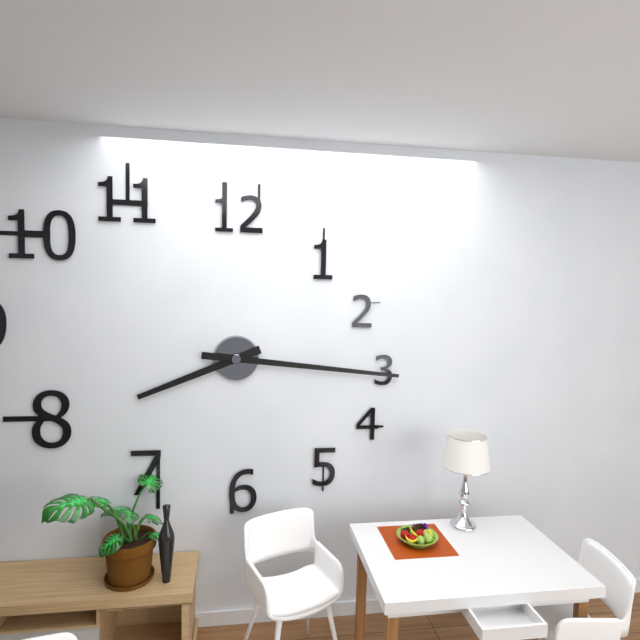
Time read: 8:16
